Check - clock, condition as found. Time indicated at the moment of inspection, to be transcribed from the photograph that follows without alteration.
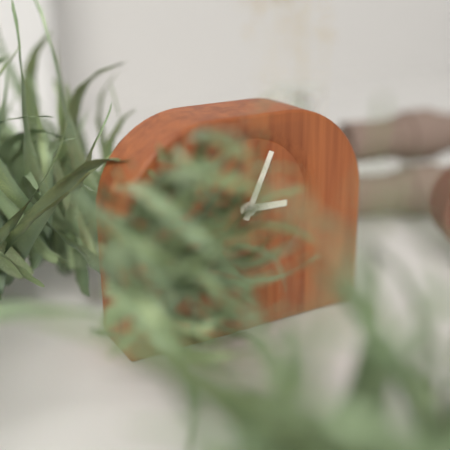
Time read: 3:04
